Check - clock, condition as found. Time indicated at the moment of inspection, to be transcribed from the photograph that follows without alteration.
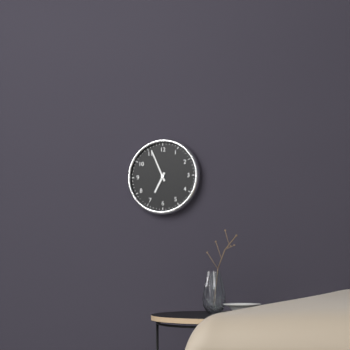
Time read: 6:56
